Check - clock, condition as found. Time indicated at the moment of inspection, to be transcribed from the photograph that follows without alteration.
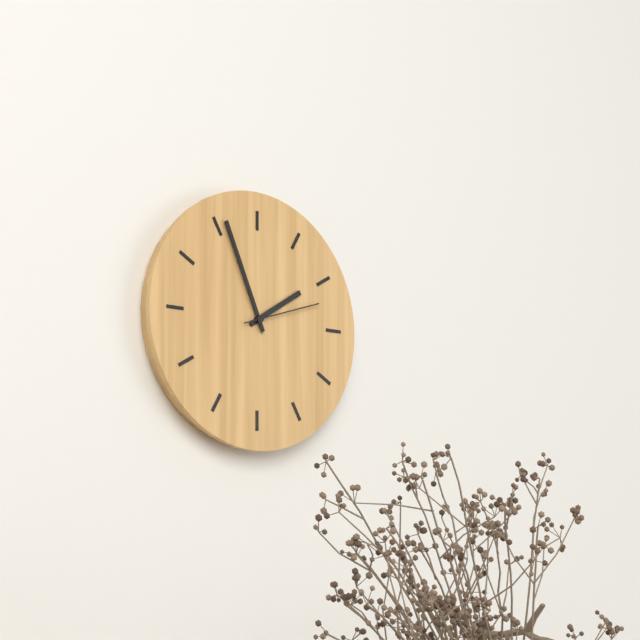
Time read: 1:56:12
